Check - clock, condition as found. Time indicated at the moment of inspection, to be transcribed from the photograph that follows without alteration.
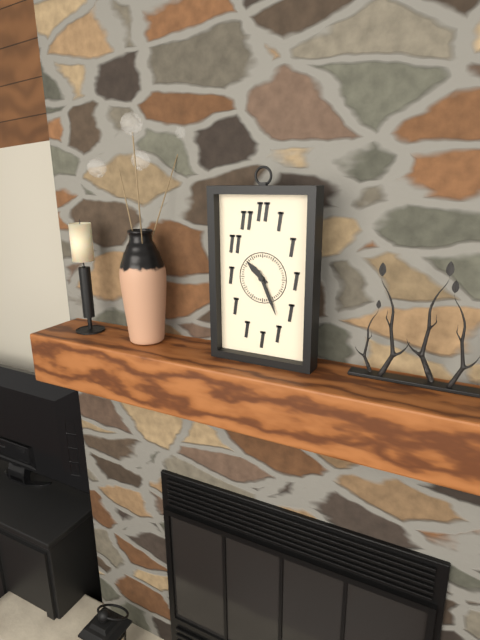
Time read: 10:26
